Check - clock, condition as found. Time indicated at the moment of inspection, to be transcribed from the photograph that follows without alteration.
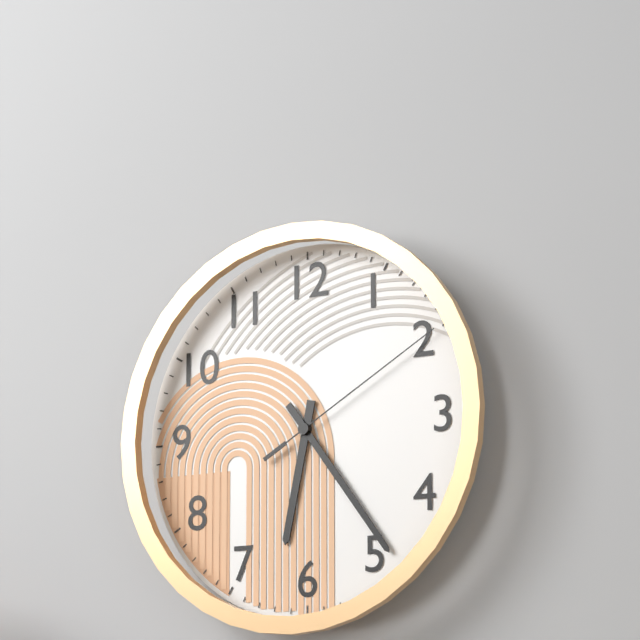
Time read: 6:24:10
